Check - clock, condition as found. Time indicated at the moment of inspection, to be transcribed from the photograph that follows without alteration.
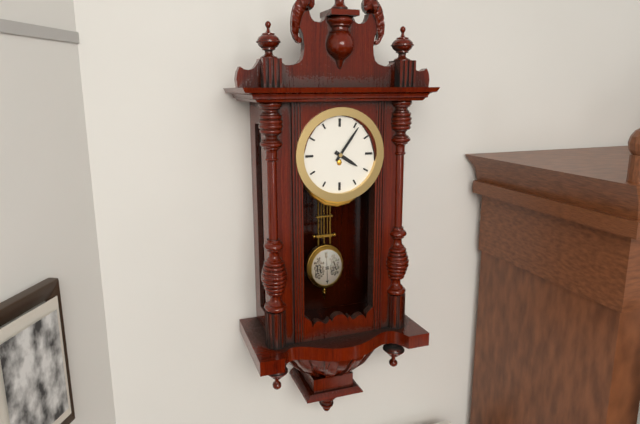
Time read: 4:06
